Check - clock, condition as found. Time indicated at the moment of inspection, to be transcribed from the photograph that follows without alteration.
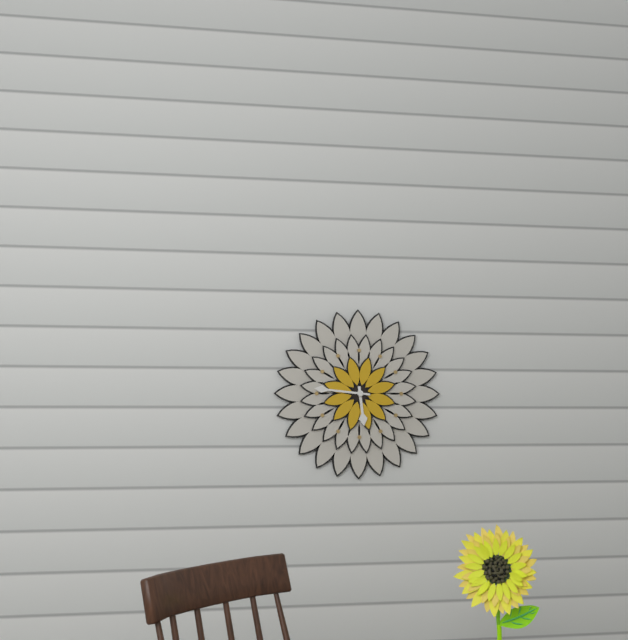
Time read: 5:46
